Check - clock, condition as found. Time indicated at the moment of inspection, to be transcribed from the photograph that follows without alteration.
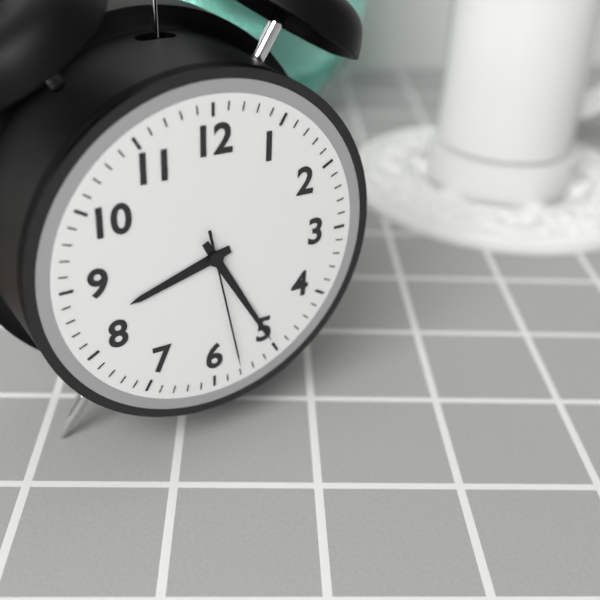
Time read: 8:25:28
